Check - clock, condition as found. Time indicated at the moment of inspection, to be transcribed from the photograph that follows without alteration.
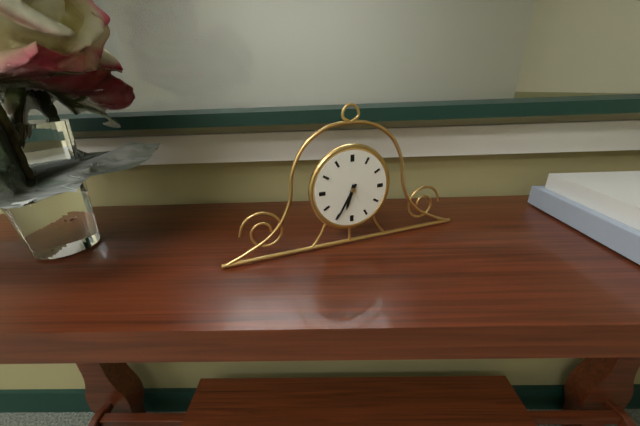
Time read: 6:35
